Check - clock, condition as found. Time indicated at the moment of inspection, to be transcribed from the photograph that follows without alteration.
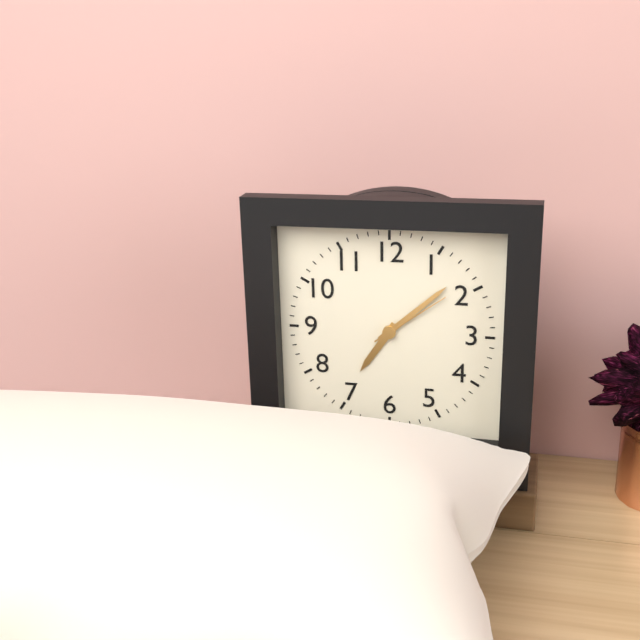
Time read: 7:08:09
